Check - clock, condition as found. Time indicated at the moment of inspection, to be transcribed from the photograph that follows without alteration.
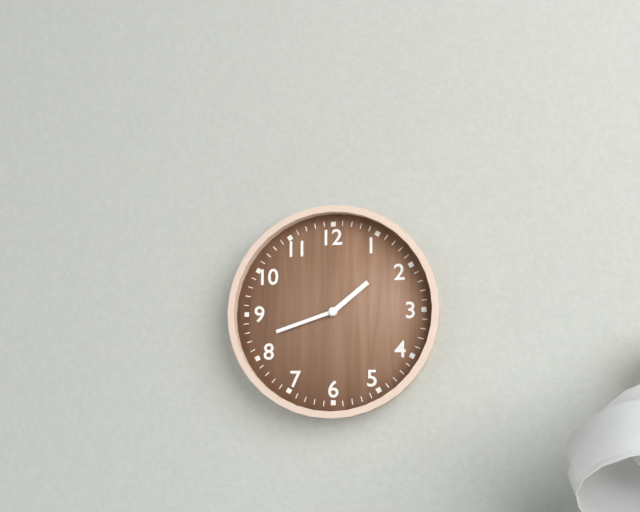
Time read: 1:42
